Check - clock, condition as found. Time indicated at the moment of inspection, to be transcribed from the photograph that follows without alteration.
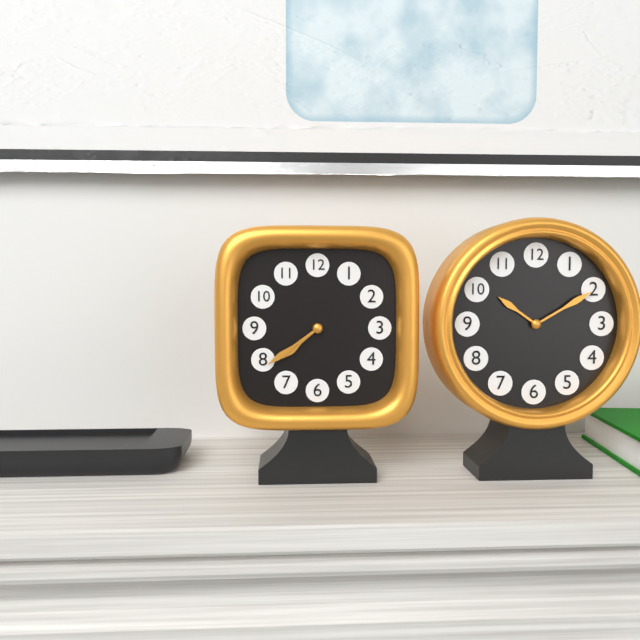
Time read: 7:39
